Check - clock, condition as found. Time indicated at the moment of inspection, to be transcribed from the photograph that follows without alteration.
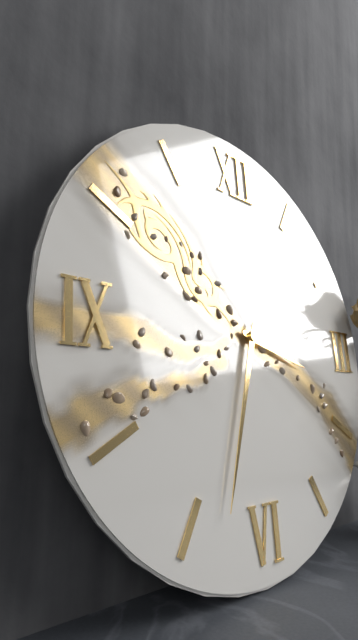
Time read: 3:33
